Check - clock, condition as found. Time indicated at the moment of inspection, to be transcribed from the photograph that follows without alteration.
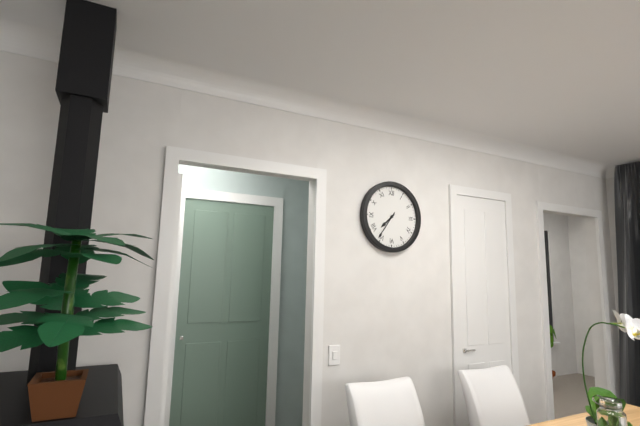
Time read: 7:36
